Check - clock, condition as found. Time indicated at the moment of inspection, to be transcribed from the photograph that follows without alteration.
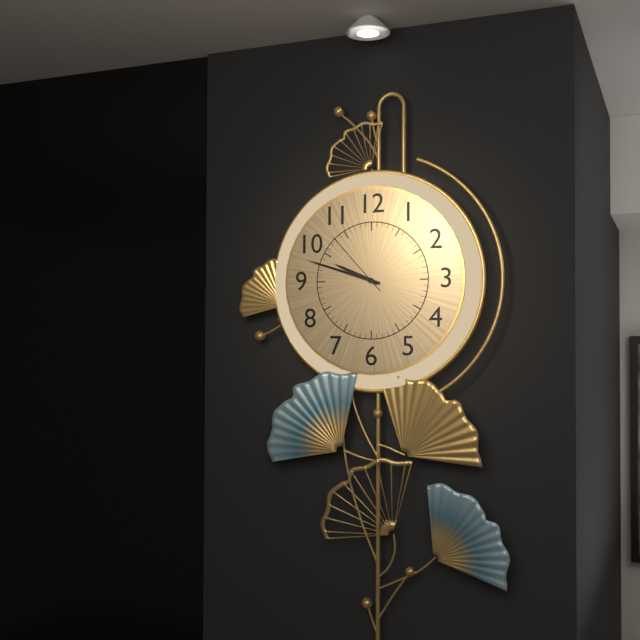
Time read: 9:48:53
